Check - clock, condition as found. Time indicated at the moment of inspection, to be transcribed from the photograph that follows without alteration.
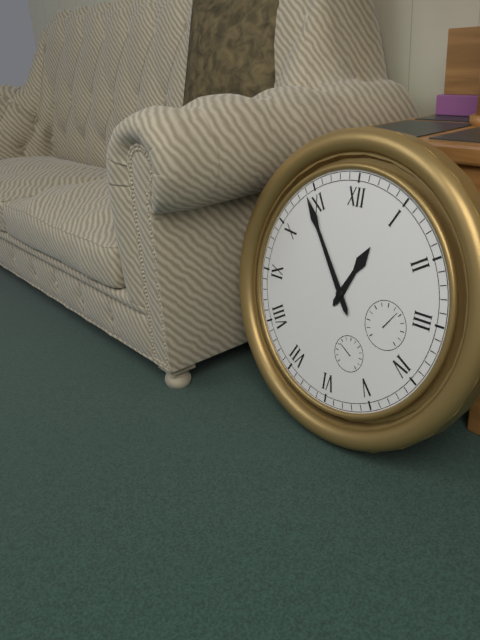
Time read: 12:54
